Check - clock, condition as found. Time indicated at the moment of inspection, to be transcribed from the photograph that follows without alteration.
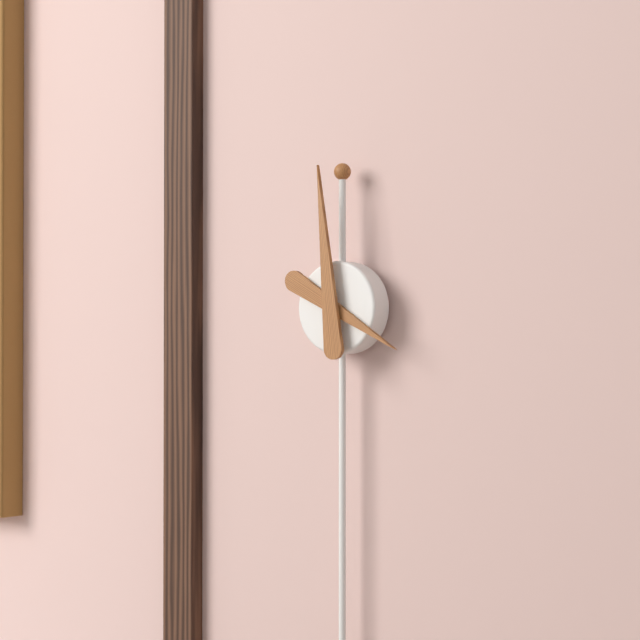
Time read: 3:59
